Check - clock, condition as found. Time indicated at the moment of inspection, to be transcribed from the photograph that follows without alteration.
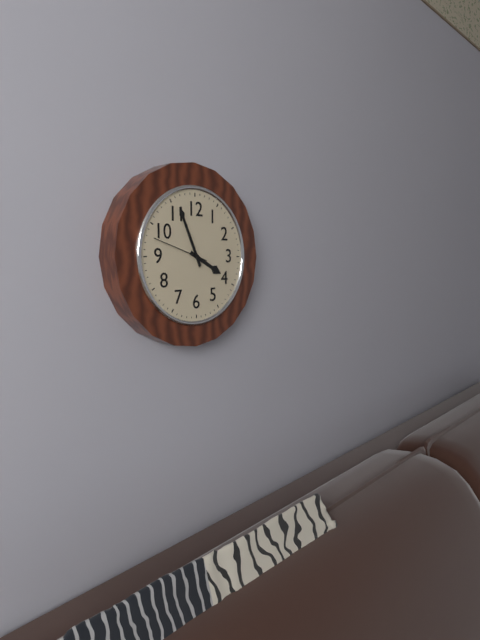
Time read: 3:56:48
